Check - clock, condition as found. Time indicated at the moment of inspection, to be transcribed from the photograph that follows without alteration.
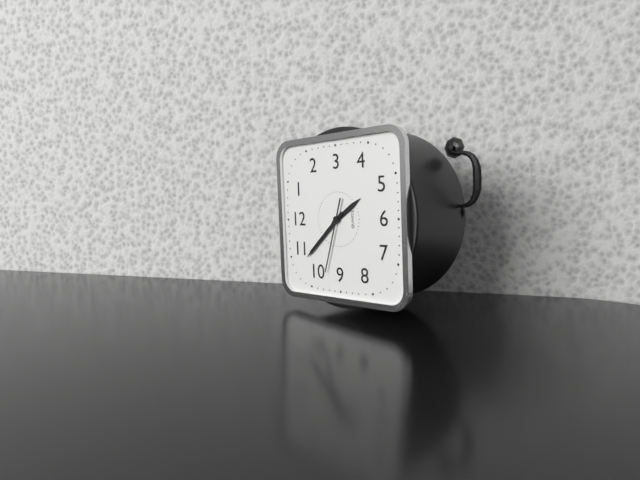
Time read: 4:53:48
